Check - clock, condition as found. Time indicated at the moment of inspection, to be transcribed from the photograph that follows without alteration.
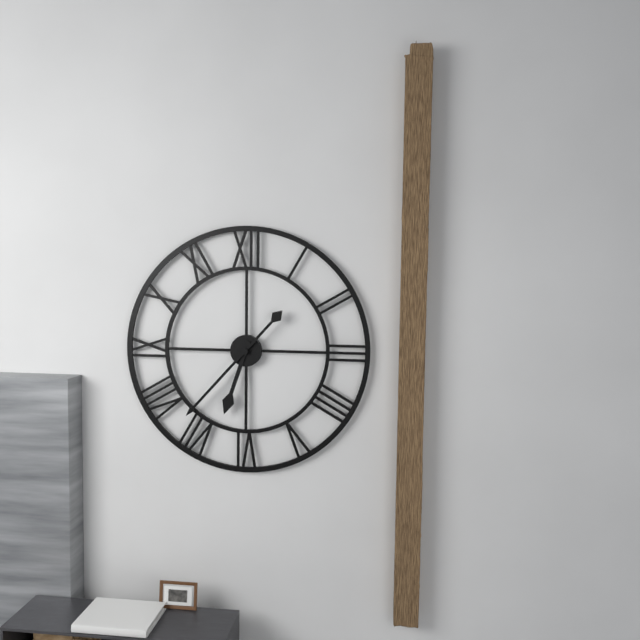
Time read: 6:37
